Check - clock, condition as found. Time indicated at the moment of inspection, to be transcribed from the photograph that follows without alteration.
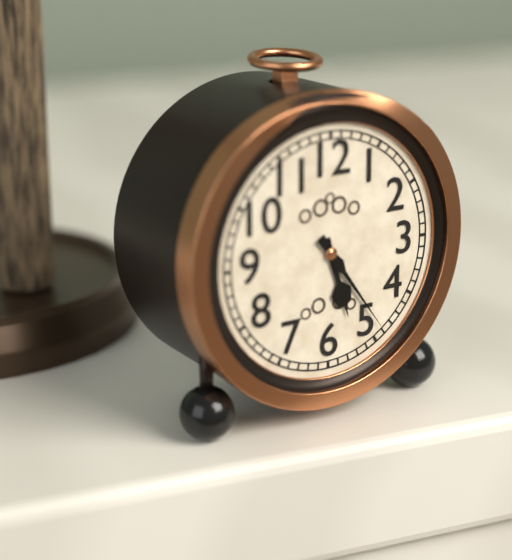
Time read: 5:24
